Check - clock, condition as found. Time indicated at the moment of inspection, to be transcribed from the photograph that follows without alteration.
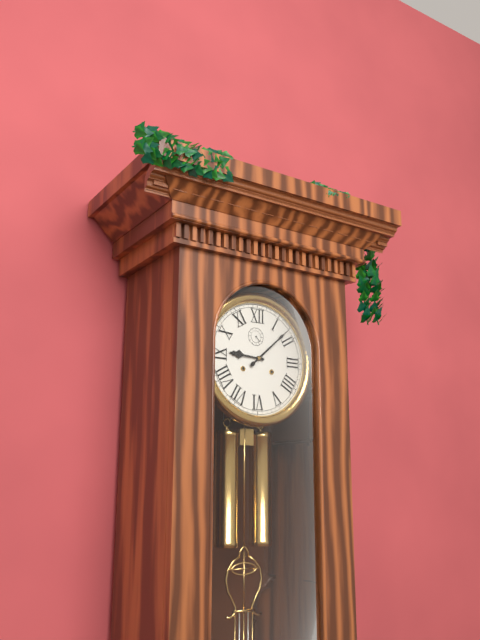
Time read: 9:08
